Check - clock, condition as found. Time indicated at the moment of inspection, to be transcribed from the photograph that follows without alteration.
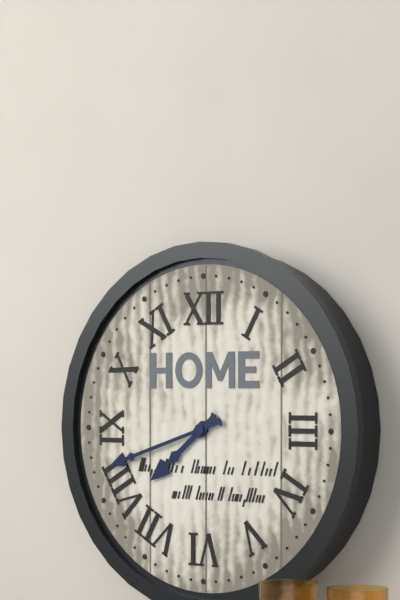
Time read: 7:42
